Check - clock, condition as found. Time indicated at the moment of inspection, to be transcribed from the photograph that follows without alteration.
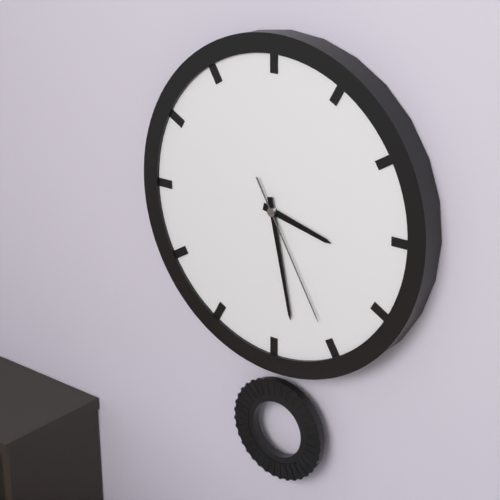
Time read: 3:28:25
